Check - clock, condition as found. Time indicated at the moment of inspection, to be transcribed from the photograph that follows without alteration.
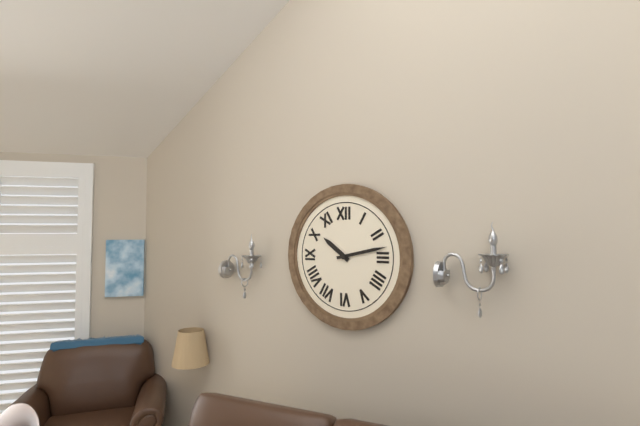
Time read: 10:13
